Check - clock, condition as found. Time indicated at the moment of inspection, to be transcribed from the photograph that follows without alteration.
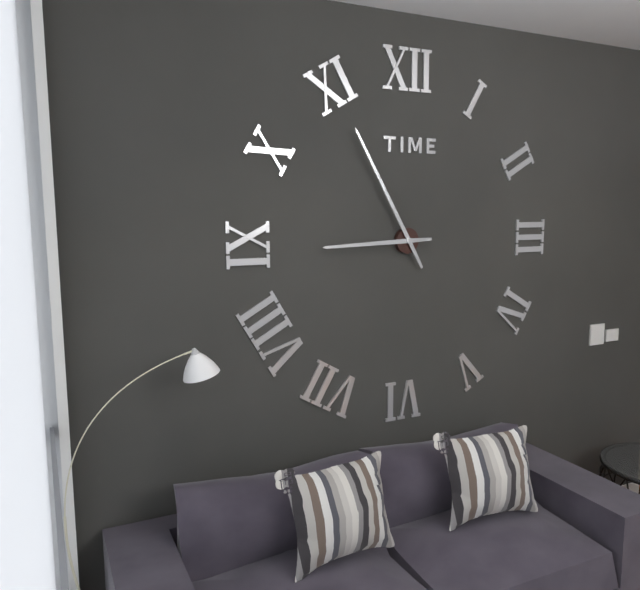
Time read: 8:55
